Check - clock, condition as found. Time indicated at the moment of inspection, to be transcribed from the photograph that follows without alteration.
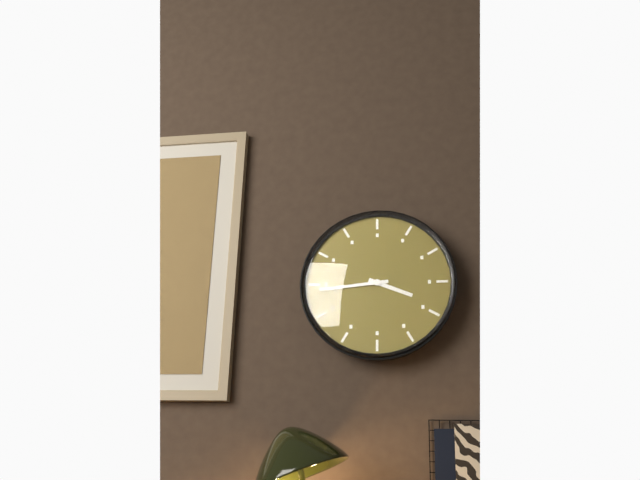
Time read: 3:44
